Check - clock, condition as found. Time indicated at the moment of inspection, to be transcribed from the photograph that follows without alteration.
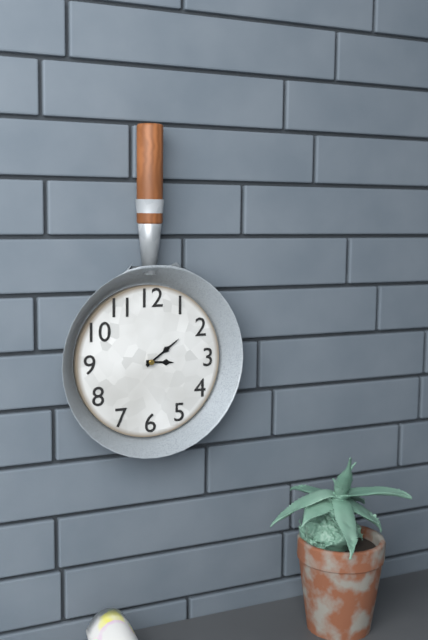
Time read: 3:09
